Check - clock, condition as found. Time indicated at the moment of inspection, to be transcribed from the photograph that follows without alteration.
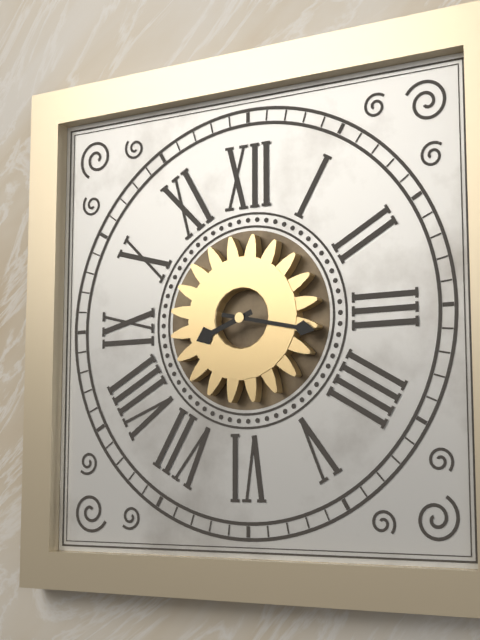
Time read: 8:17
